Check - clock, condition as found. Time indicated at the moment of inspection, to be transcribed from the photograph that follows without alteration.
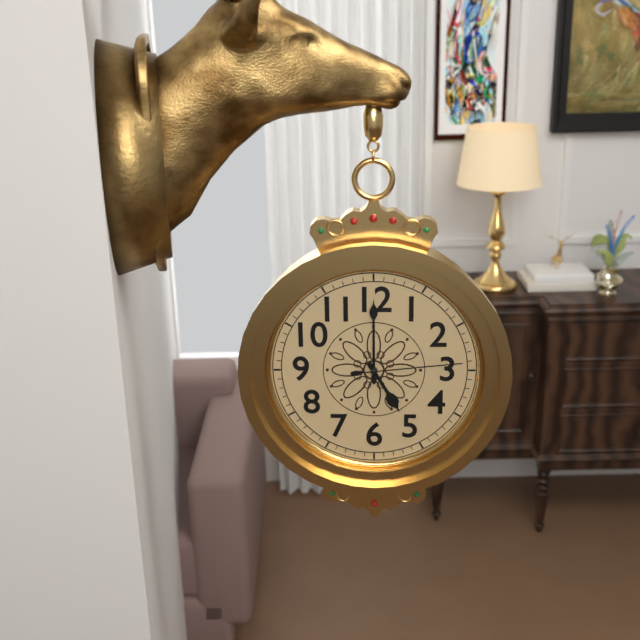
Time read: 5:00:14
